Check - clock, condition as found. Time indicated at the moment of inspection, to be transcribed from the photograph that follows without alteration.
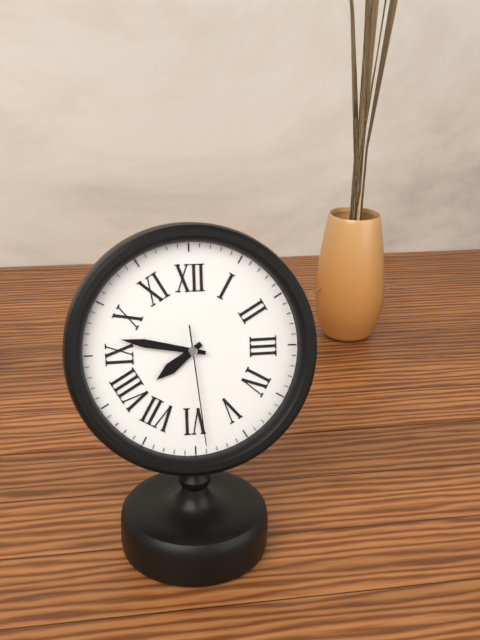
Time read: 7:47:29
